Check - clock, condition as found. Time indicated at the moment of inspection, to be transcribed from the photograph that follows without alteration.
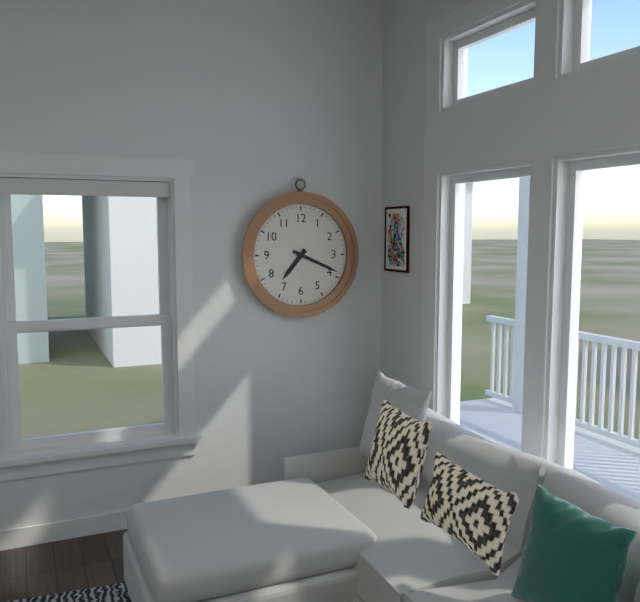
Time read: 7:19
